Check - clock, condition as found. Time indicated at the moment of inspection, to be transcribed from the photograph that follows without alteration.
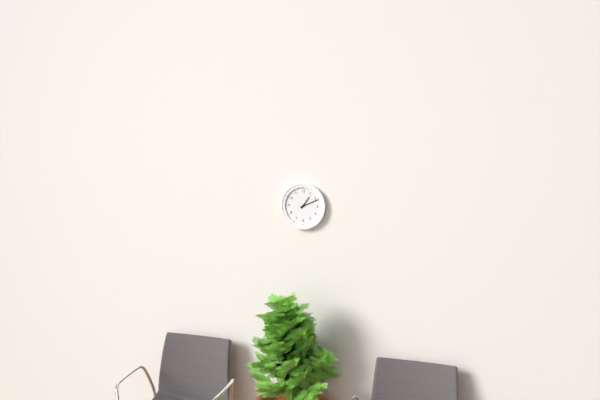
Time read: 1:11
